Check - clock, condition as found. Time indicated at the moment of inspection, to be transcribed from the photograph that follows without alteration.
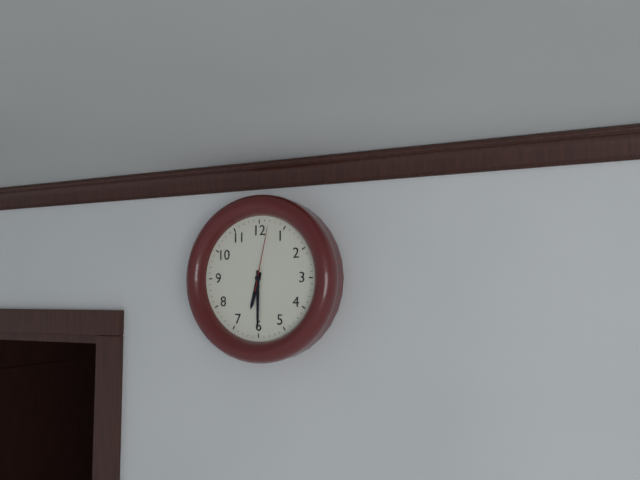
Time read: 6:30:02
